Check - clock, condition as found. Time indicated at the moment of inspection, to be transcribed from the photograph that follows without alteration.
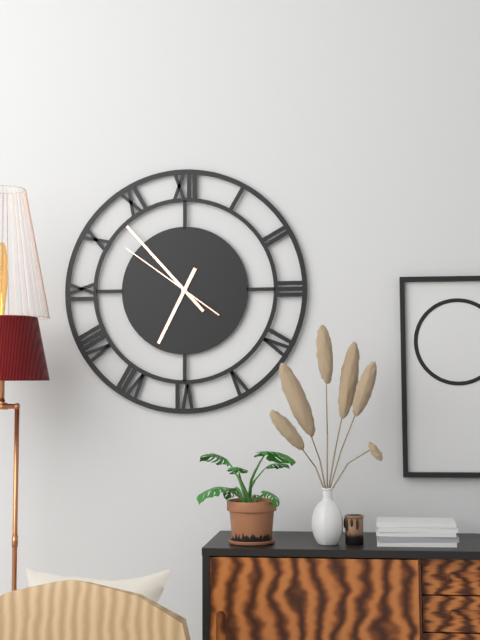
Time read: 6:53:51
